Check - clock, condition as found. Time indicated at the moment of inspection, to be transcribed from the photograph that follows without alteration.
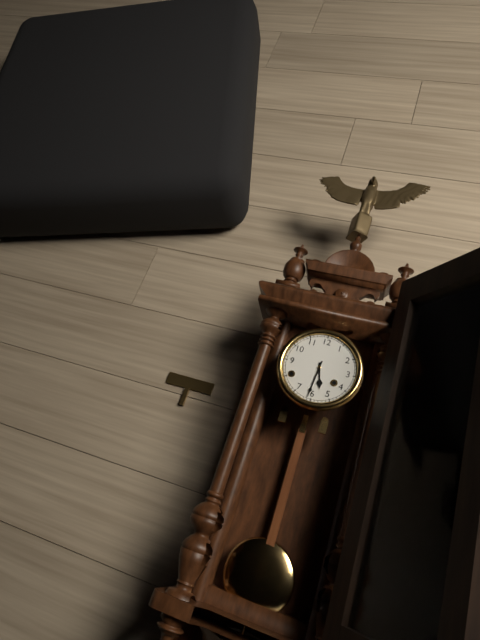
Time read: 5:31
